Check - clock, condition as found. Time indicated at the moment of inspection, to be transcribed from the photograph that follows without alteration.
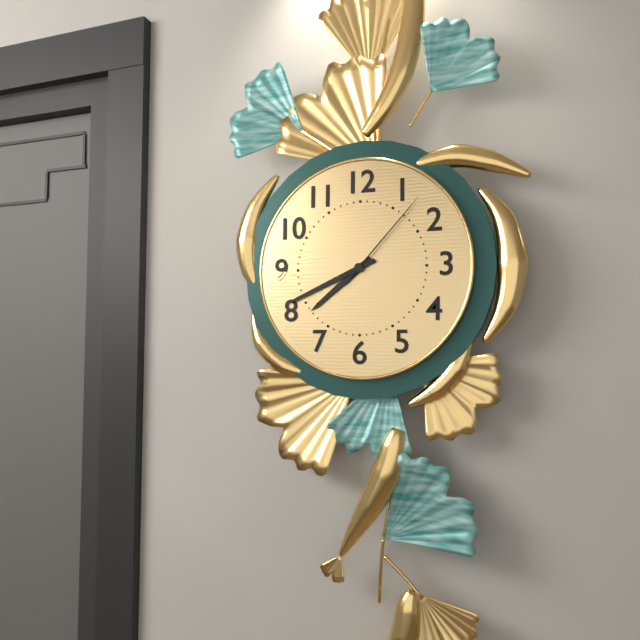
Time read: 7:41:07
